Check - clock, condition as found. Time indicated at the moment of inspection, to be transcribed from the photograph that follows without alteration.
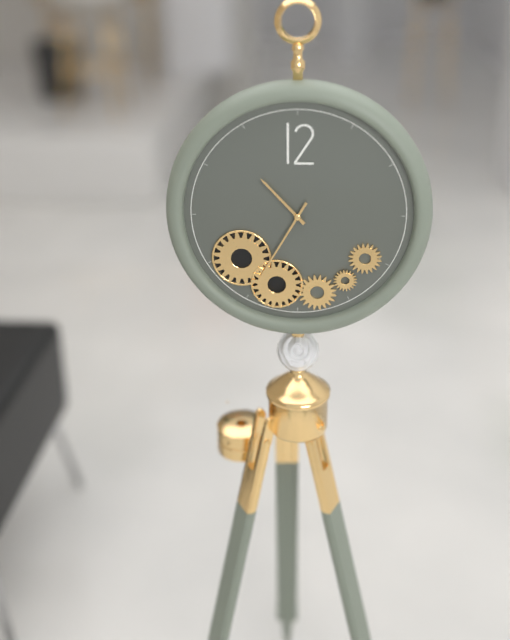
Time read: 10:35
